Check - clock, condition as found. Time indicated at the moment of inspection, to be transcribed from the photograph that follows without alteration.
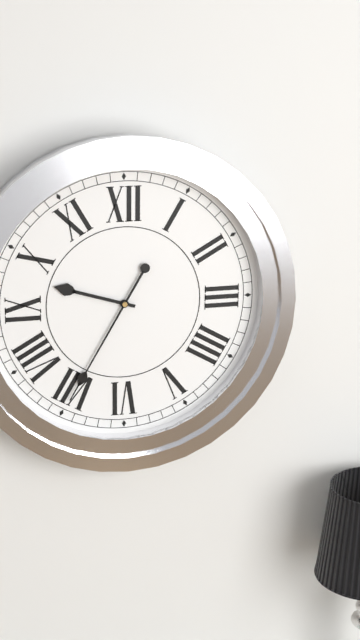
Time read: 9:35
